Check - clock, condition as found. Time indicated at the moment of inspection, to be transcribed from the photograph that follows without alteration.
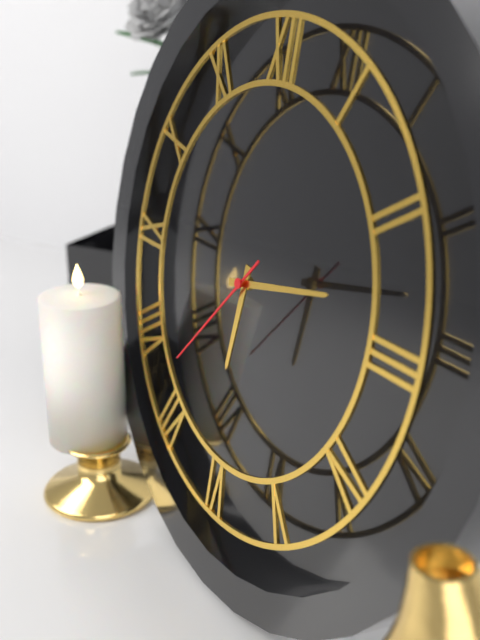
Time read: 6:13:37
